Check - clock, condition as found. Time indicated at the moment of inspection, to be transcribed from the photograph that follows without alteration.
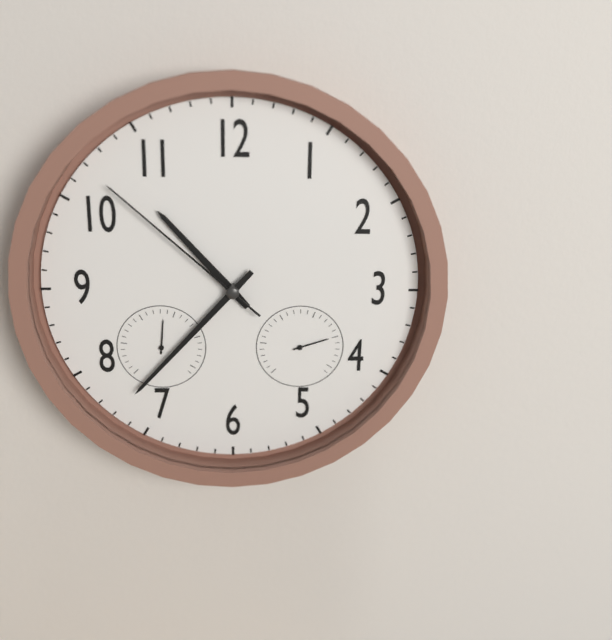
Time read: 10:37:52
